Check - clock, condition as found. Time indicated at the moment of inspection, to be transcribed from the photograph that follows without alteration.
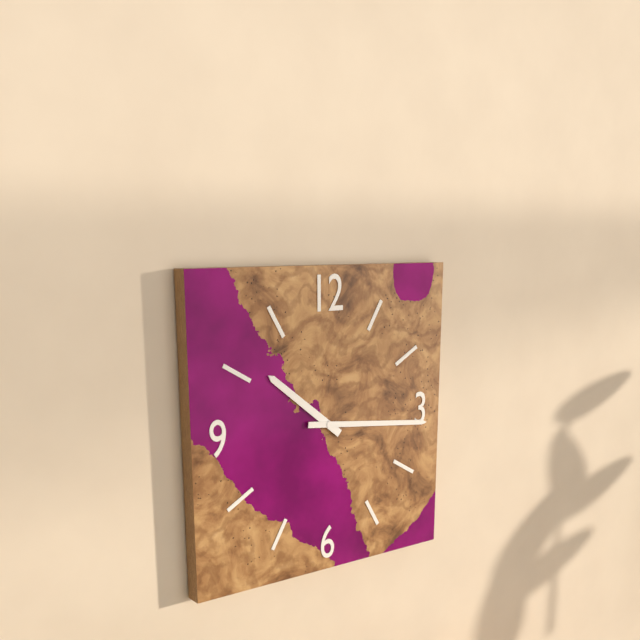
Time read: 10:16
